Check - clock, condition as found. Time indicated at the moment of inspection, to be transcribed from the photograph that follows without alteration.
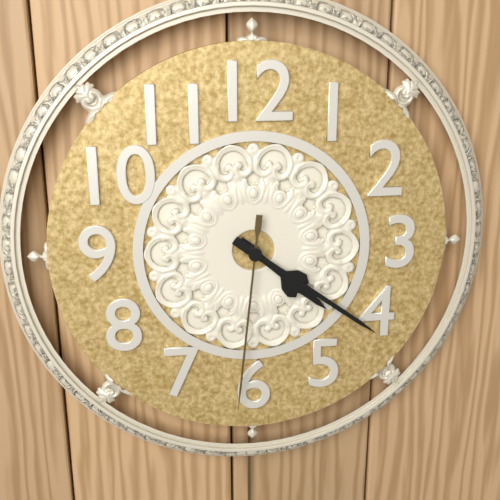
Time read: 4:21:31
